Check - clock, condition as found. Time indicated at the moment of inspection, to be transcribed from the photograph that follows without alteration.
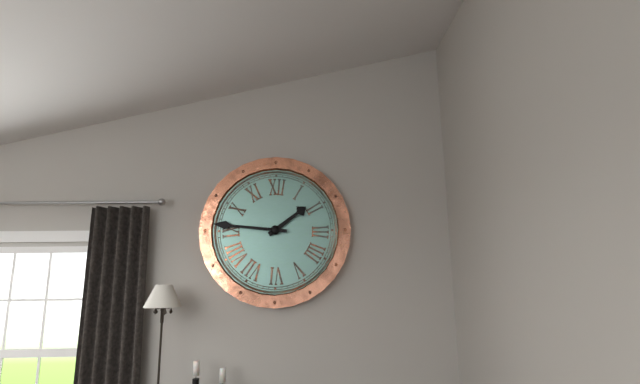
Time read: 1:46
